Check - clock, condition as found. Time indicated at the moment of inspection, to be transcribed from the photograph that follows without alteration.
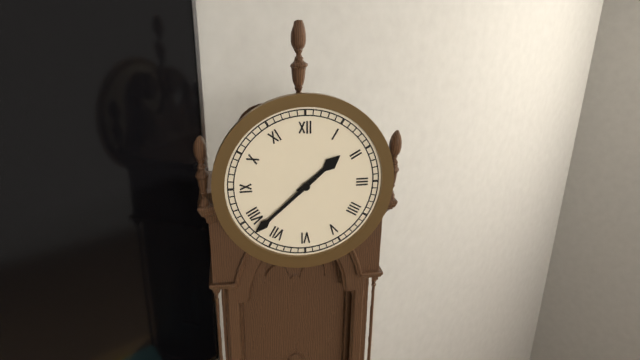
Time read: 1:38
